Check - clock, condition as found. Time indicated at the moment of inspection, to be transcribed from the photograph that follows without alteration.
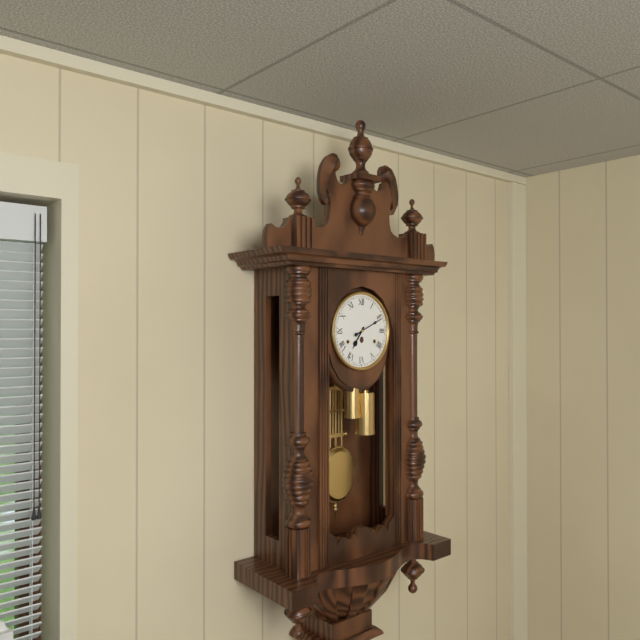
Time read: 7:11
